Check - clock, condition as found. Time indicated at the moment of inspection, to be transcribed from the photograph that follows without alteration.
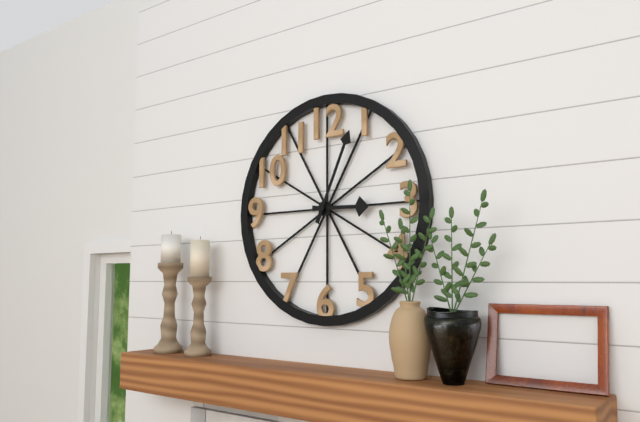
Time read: 3:04
